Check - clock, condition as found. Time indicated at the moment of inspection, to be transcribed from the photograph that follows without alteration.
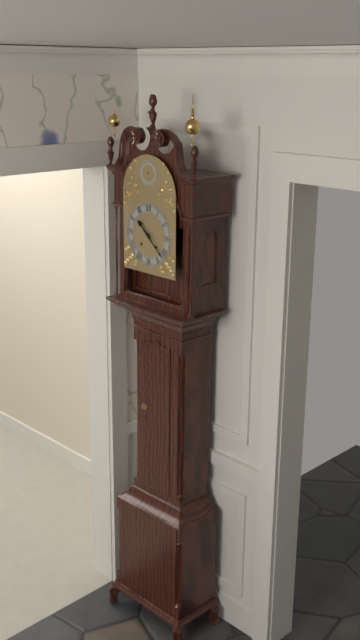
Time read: 10:22
